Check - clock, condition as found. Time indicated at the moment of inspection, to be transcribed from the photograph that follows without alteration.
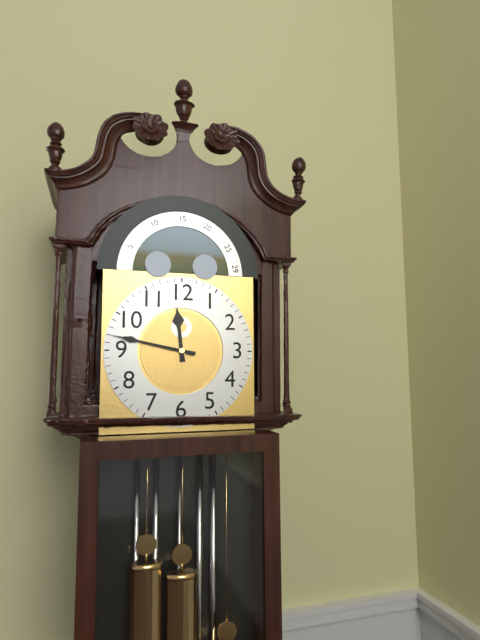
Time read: 11:47
